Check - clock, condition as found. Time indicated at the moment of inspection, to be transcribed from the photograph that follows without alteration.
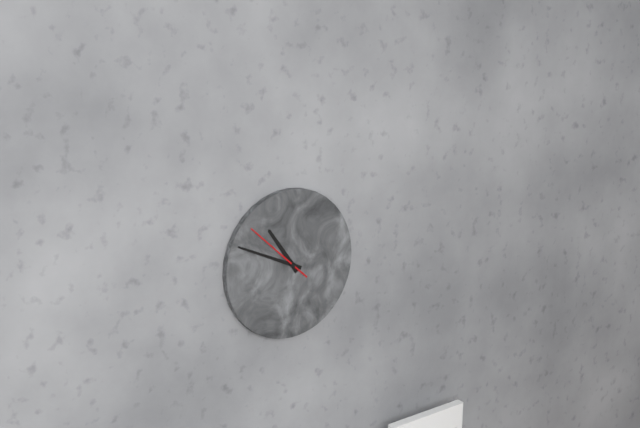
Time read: 10:49:52
